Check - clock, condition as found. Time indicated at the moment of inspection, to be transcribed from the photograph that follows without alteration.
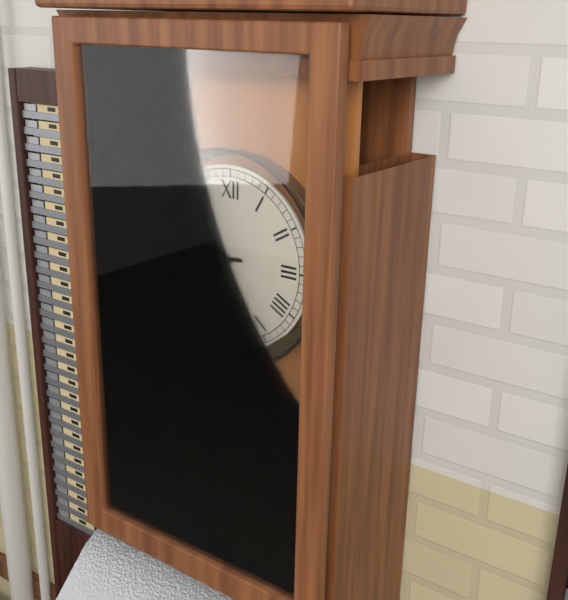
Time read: 8:44
